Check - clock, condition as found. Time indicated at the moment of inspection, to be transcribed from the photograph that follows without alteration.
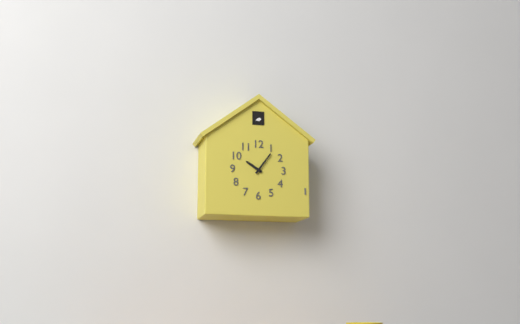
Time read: 10:06
